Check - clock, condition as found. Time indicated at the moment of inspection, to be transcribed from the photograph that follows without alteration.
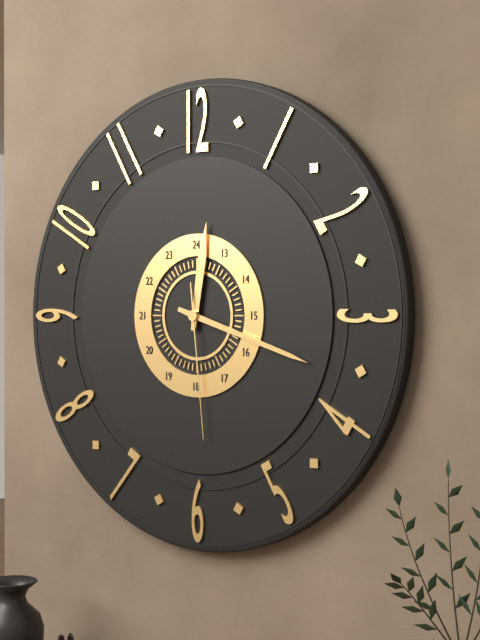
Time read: 12:18:29
